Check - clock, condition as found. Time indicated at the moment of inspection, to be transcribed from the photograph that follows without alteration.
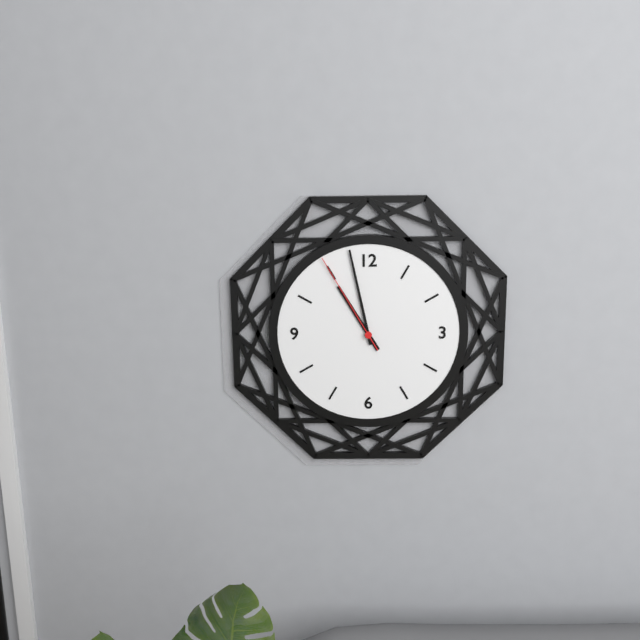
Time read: 10:58:55
